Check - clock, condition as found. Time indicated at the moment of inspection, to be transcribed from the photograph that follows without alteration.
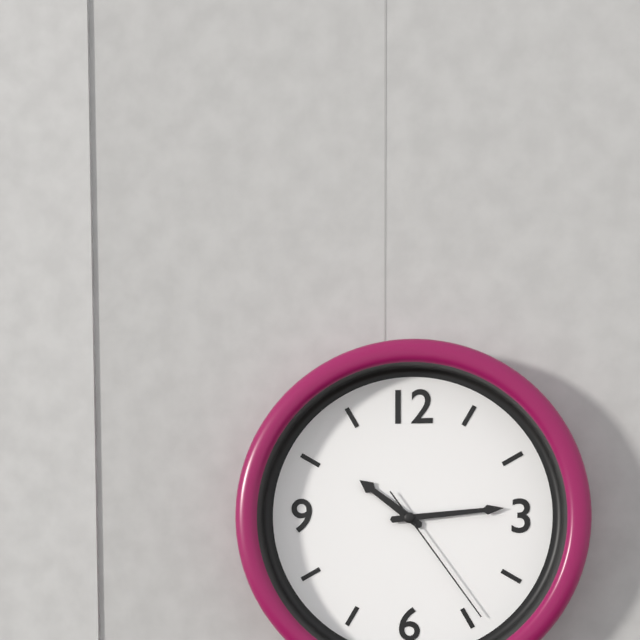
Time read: 10:14:24
